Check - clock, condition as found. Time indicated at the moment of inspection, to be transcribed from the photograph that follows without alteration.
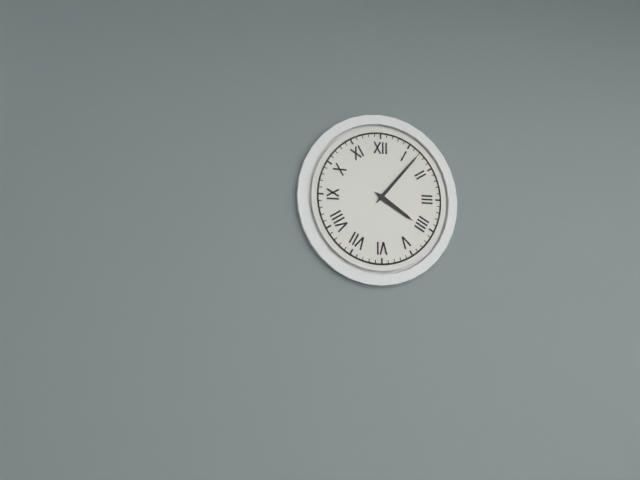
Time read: 4:07
